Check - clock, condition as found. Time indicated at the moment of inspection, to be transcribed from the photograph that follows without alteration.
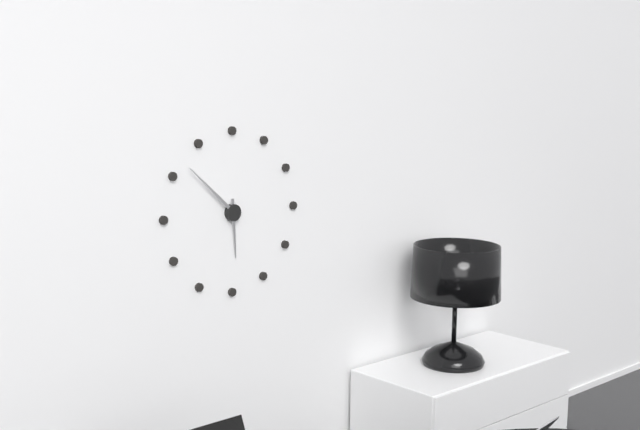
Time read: 5:52
